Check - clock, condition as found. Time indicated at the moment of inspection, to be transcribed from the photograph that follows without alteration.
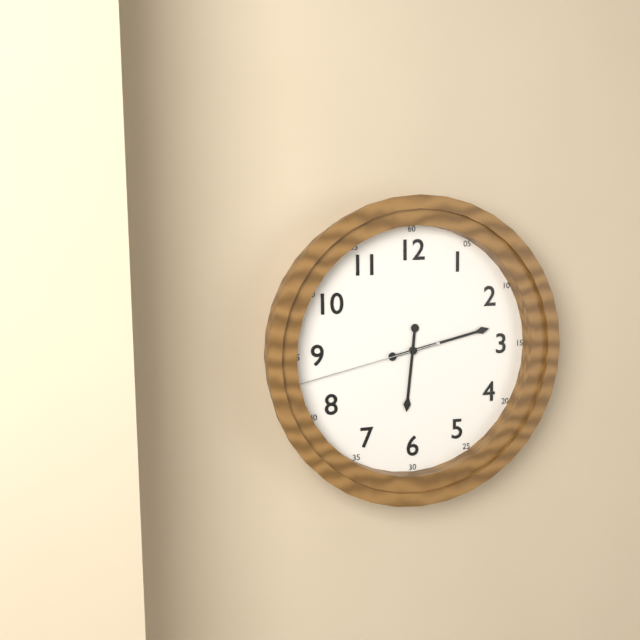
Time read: 6:13:43
